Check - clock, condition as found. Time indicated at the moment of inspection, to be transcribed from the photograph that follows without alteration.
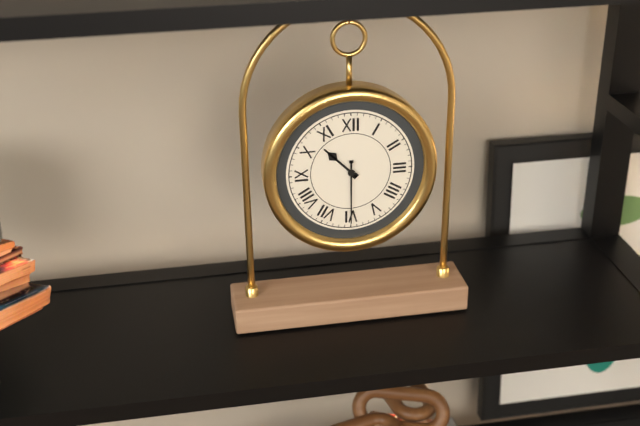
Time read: 10:30
